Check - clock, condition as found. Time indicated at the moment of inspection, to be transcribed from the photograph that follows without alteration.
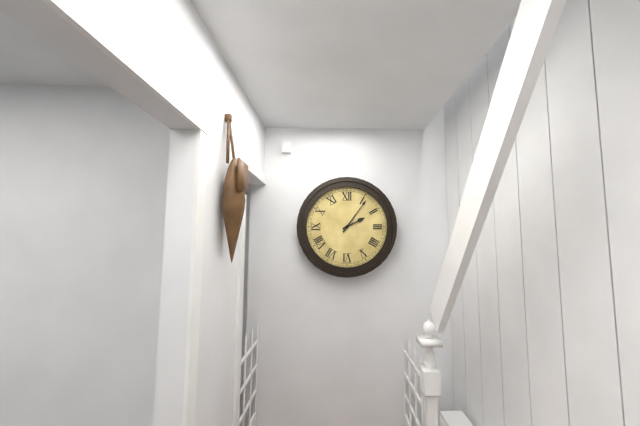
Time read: 2:06
